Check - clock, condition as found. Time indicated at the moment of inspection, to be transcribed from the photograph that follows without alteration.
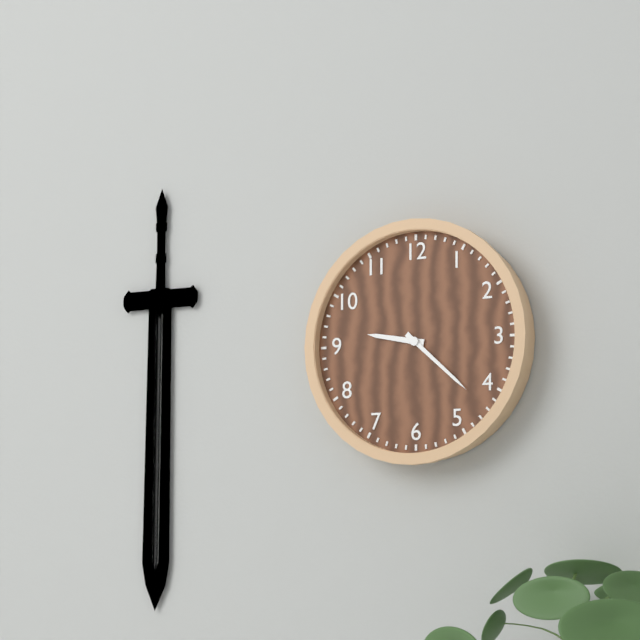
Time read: 9:22
